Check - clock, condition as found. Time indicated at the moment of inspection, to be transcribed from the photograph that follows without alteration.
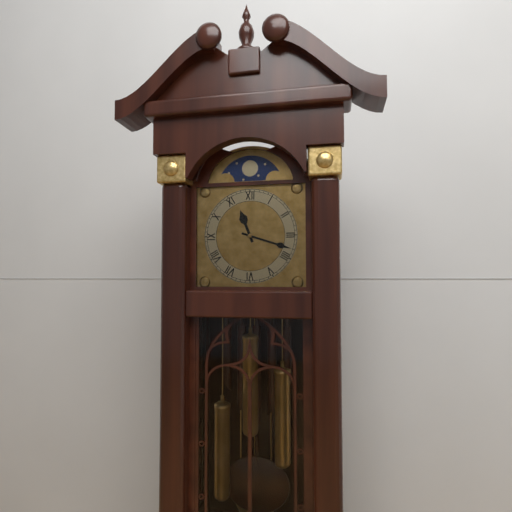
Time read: 11:18
